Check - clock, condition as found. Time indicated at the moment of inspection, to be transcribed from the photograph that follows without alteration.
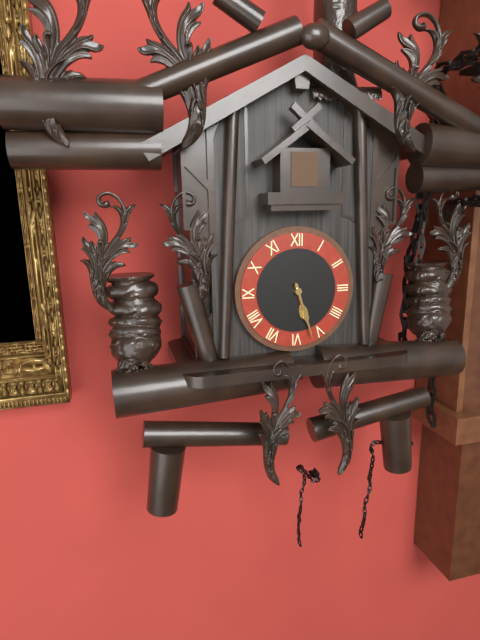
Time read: 5:27
